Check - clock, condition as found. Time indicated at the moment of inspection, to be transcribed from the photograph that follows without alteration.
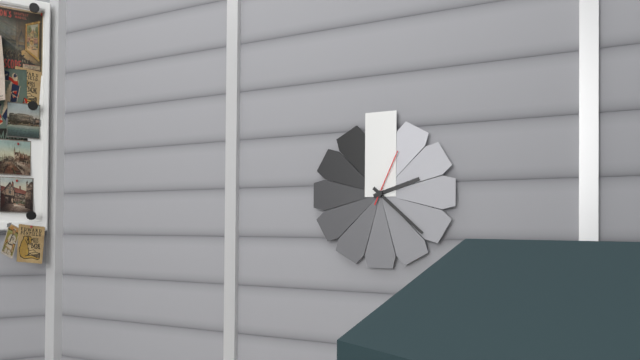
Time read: 2:22:04
